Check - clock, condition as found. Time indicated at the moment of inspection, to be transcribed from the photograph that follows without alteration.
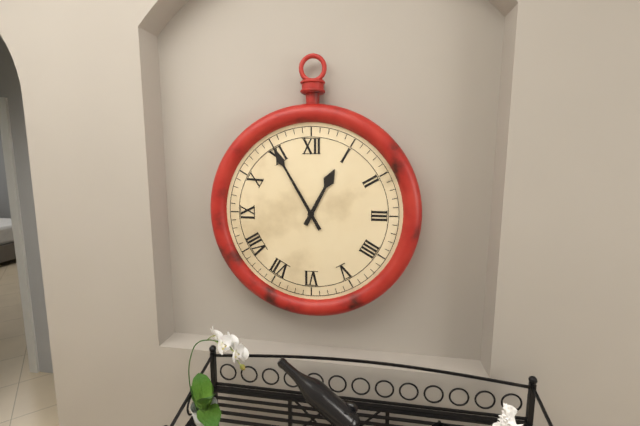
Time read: 12:55
